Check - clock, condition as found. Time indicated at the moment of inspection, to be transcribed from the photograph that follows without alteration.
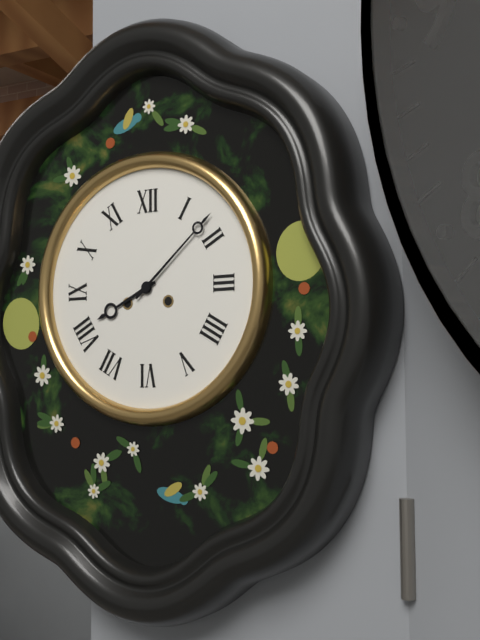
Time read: 8:08
